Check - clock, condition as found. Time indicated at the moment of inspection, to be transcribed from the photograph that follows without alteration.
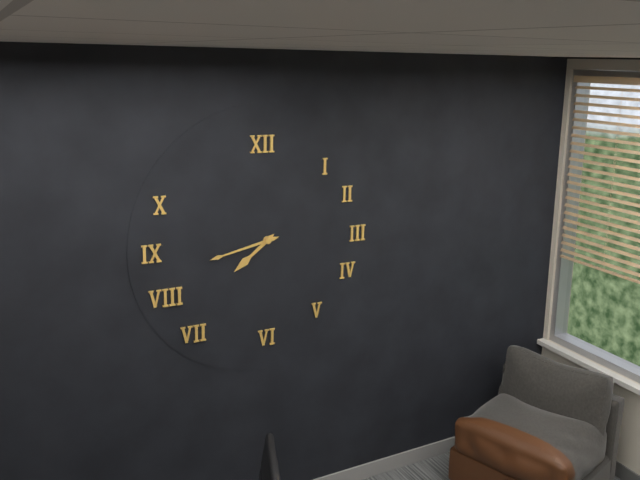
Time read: 7:43
